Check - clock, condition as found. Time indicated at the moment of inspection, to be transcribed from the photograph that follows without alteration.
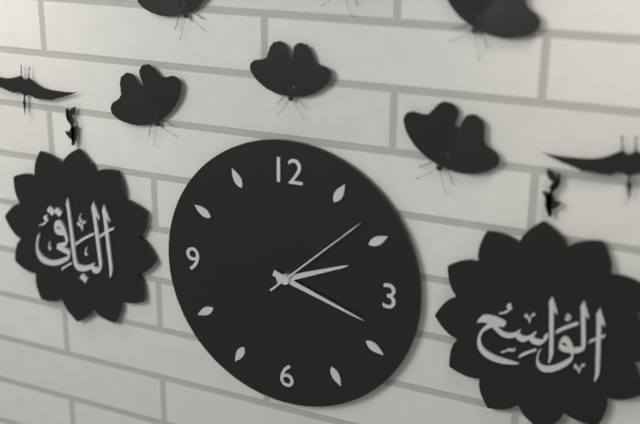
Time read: 2:18:08
